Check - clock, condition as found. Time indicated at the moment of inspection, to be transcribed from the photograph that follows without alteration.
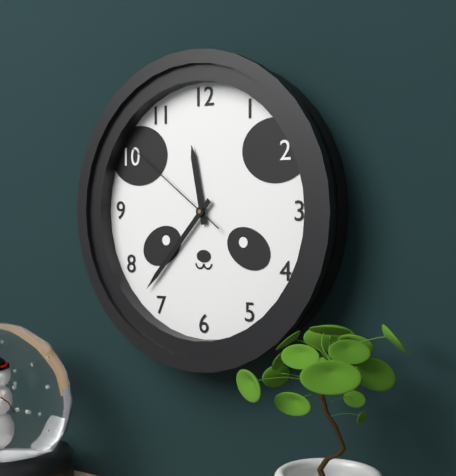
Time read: 11:37:51
